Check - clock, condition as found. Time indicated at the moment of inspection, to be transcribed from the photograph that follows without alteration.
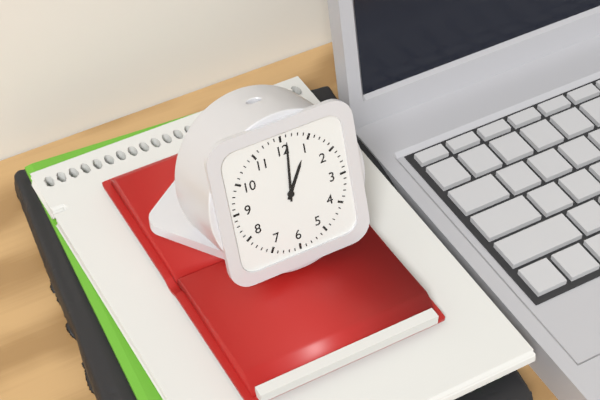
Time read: 1:01
